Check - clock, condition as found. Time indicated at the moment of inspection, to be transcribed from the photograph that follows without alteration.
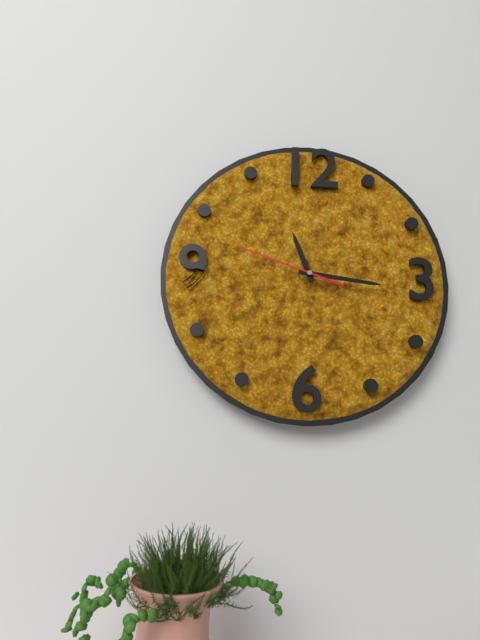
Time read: 11:16:48
